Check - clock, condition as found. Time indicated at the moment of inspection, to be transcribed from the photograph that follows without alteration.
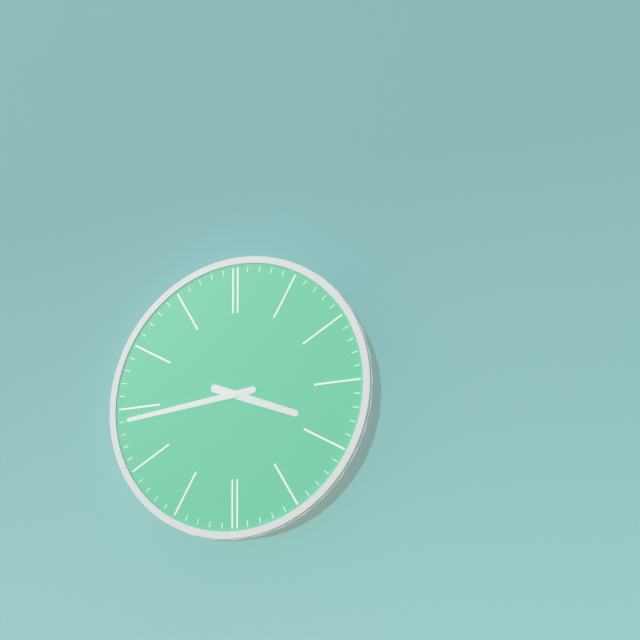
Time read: 3:44
